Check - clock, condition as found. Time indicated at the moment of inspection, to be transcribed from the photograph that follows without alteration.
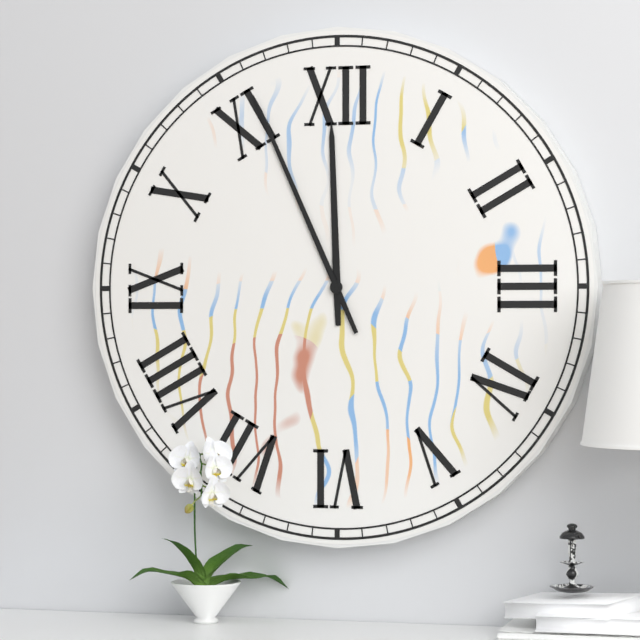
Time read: 11:56
